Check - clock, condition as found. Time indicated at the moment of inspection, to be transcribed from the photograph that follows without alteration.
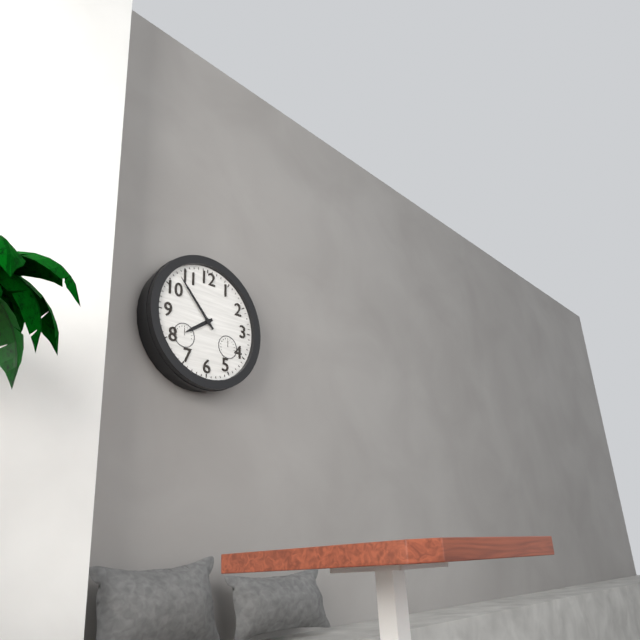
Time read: 7:53
